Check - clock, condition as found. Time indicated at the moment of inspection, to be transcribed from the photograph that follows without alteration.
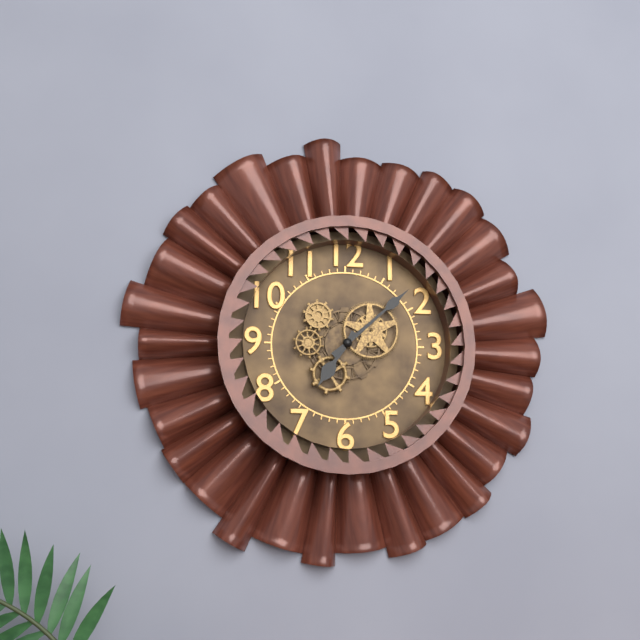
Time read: 7:08
